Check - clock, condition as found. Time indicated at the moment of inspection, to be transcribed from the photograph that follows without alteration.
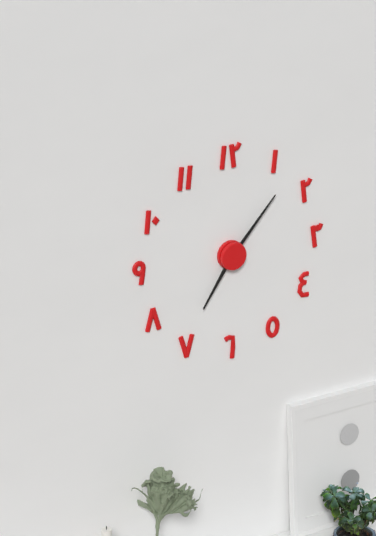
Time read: 7:07
